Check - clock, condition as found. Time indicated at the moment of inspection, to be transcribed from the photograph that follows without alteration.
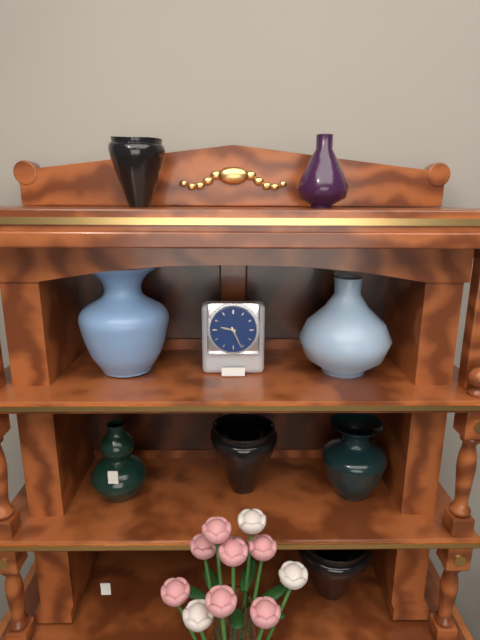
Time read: 9:26
